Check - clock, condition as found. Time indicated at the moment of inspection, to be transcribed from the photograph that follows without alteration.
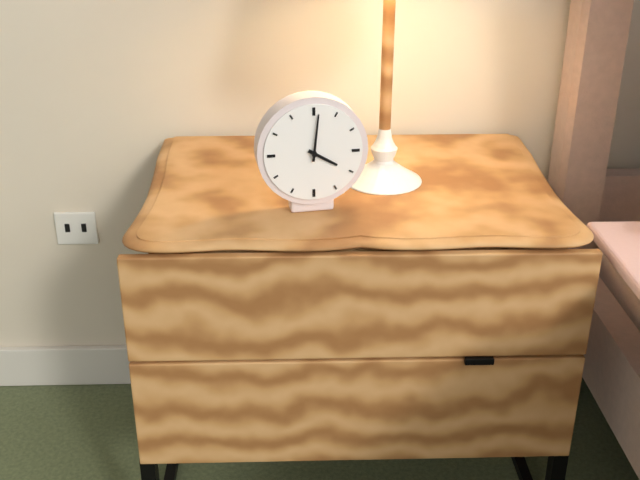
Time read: 4:01
